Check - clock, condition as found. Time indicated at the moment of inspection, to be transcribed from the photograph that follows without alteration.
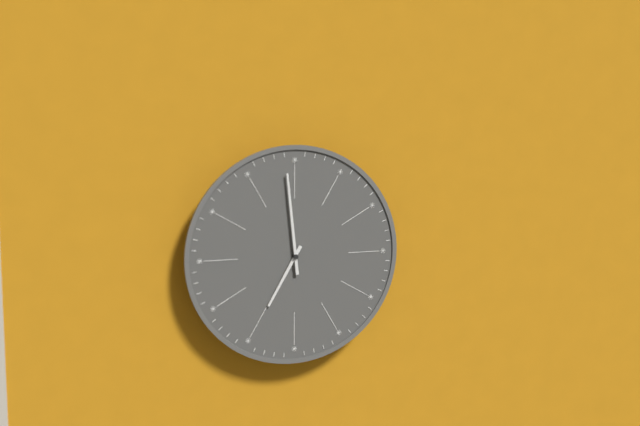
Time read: 6:59
